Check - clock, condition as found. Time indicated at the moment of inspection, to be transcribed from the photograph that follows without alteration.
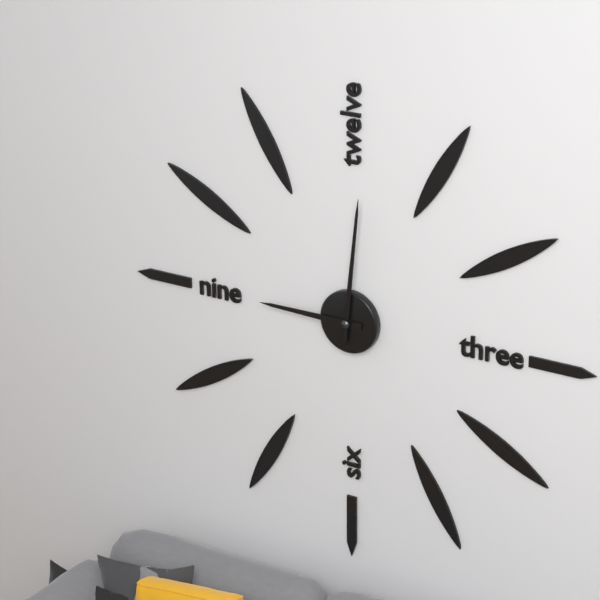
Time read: 9:01
